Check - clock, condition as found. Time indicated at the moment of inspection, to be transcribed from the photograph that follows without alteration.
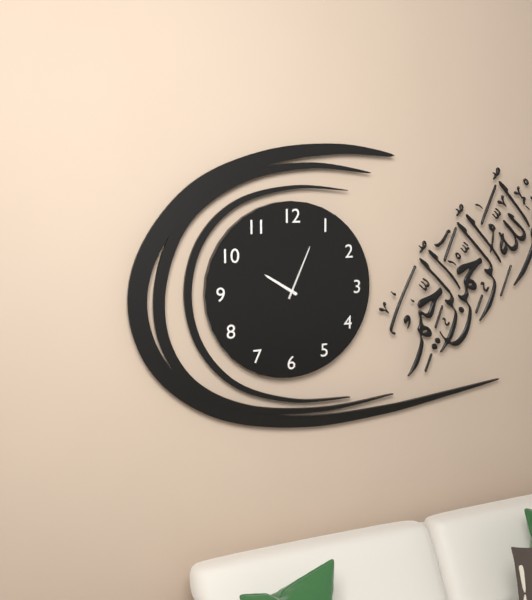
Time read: 10:04
